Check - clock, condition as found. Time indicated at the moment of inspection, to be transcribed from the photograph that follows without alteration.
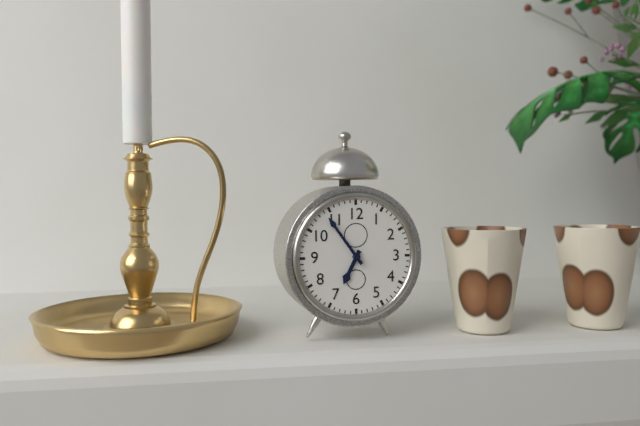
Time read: 6:54
